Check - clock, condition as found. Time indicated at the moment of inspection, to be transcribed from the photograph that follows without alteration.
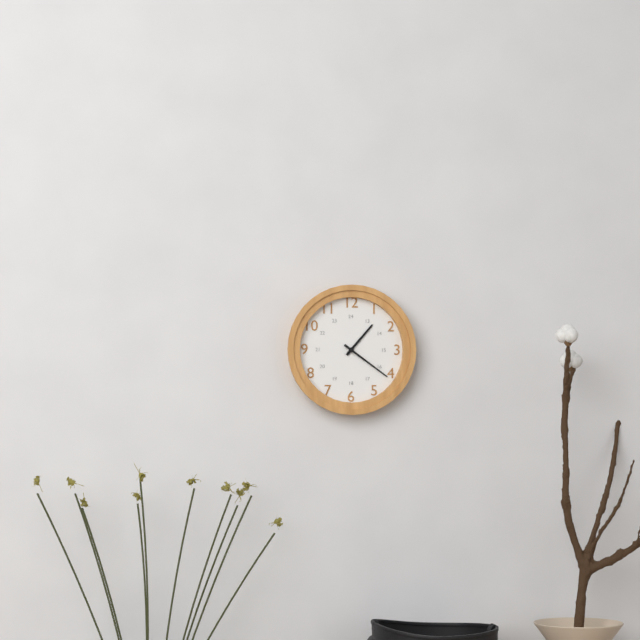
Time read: 1:21
